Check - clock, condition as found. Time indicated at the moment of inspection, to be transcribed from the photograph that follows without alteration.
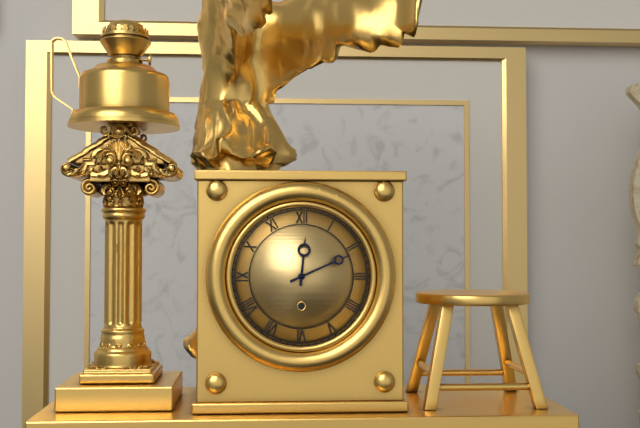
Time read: 12:11
